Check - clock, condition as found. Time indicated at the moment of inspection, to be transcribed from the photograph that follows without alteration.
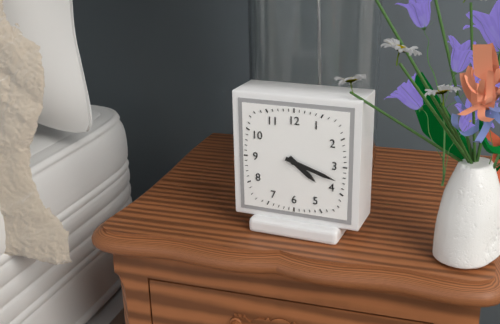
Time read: 4:18
